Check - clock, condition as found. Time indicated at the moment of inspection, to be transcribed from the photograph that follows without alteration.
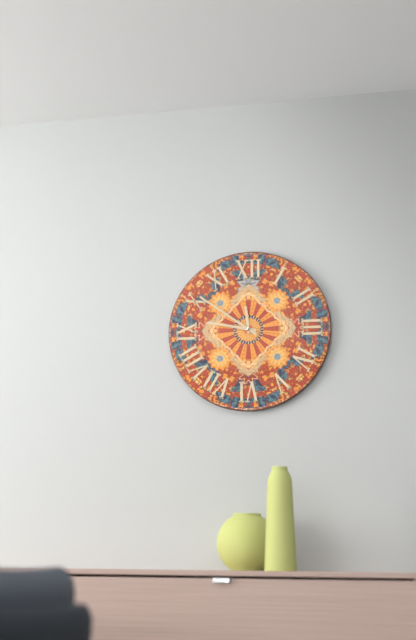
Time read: 11:47:51
